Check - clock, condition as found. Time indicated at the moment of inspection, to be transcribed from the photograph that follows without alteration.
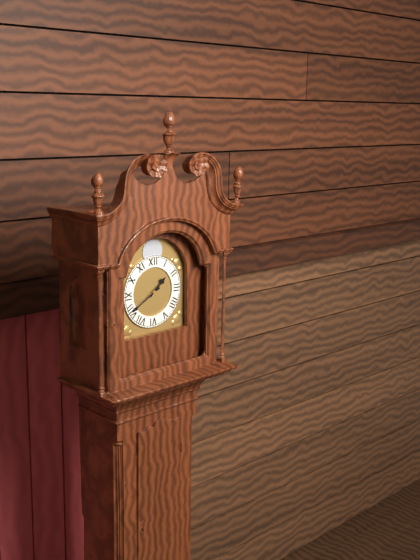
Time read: 1:40
